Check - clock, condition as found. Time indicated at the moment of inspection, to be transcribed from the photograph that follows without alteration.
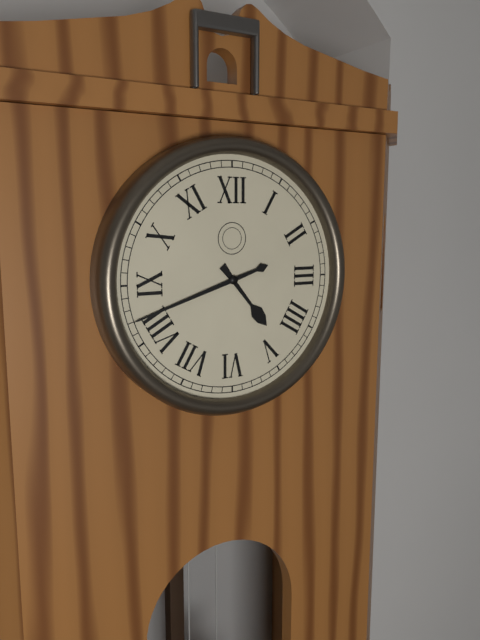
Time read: 4:42
